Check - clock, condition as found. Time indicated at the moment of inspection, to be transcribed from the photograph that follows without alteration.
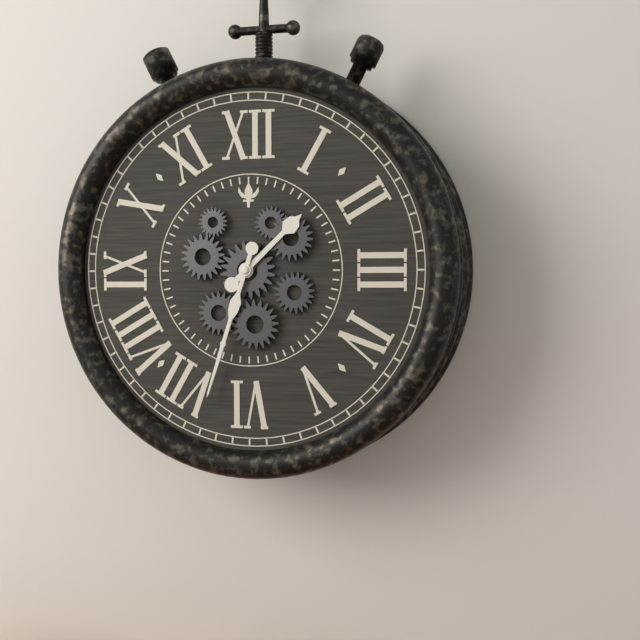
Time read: 1:33
